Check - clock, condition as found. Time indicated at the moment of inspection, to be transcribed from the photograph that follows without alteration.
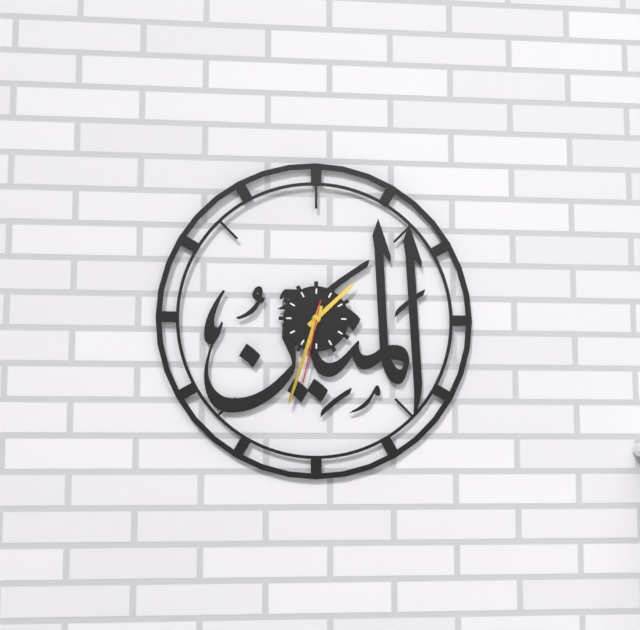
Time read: 1:33:32
